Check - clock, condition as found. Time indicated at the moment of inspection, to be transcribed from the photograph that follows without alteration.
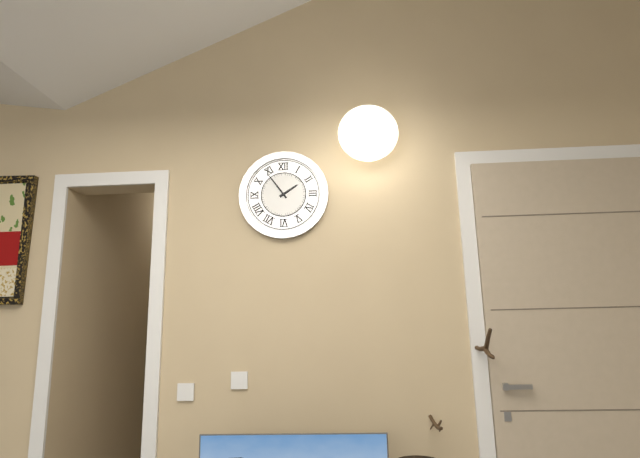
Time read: 1:54
